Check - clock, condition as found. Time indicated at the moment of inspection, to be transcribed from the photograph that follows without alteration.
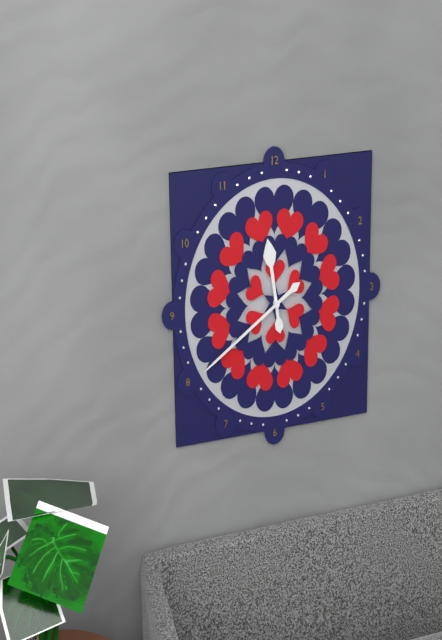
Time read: 11:40
